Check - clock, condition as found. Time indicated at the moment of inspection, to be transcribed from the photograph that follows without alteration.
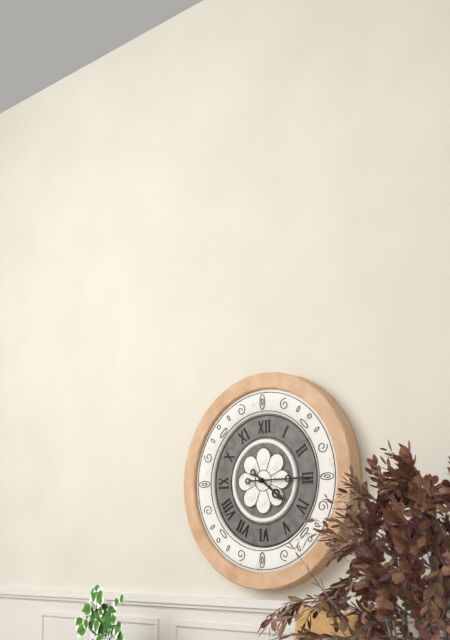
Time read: 4:15
